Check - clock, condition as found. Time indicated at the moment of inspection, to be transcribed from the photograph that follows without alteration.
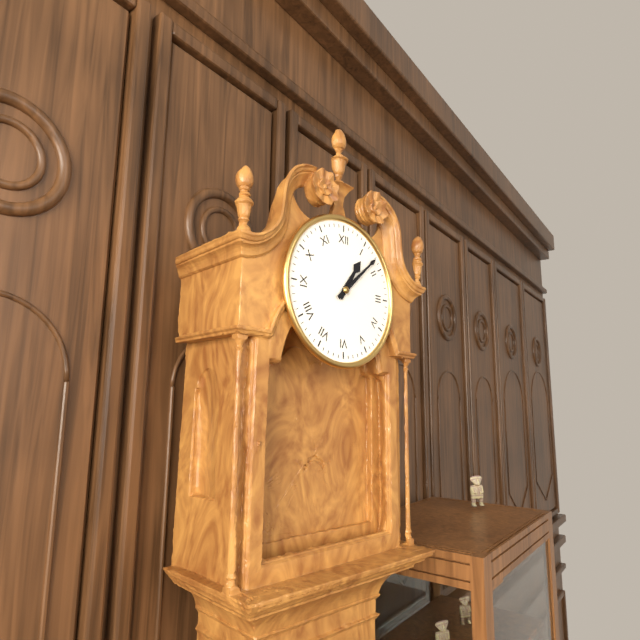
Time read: 1:08
